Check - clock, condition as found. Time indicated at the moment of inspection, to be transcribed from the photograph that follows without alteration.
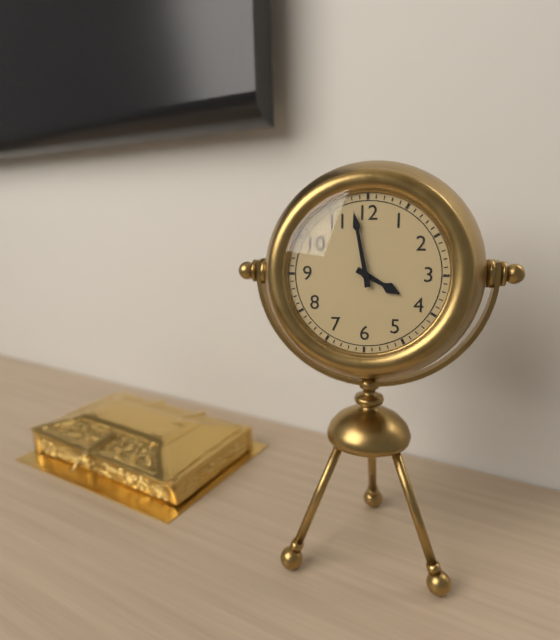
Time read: 3:58
